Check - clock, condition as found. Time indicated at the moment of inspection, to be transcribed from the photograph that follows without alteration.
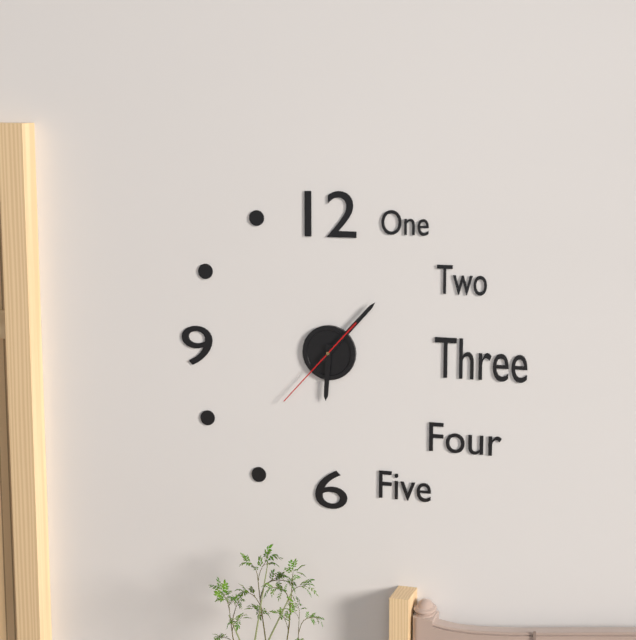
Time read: 6:07:37
